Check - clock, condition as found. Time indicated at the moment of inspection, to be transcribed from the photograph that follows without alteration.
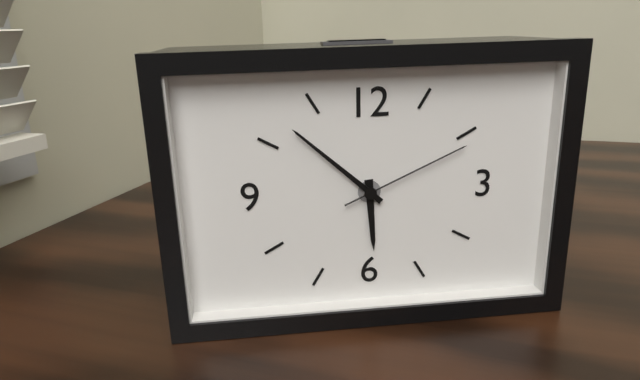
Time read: 5:52:11
